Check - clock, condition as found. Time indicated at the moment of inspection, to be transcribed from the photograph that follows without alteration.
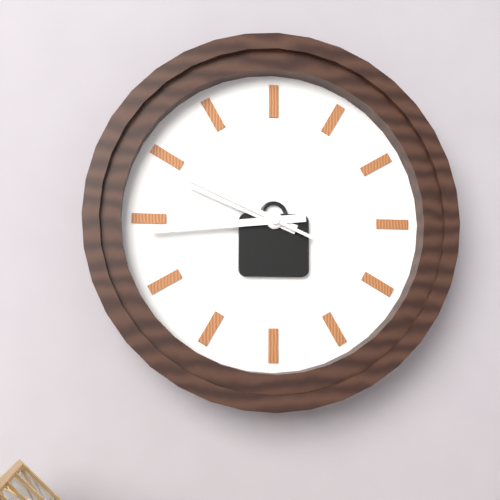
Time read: 9:44:49
